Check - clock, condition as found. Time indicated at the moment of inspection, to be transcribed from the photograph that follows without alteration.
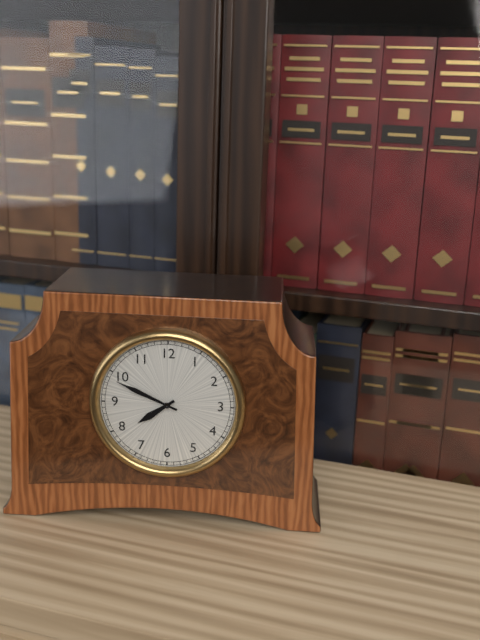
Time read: 7:49
